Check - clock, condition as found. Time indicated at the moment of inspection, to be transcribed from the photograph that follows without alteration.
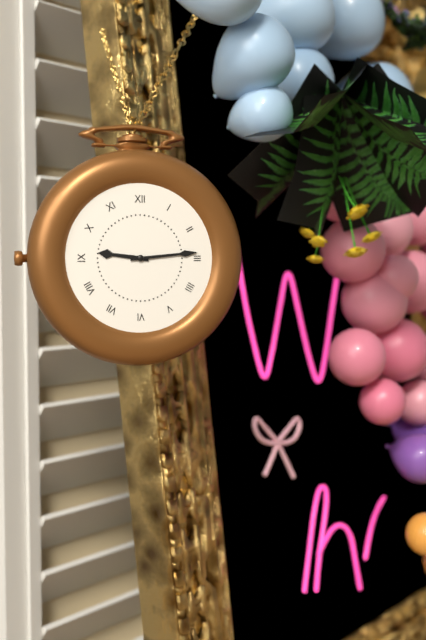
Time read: 9:14
